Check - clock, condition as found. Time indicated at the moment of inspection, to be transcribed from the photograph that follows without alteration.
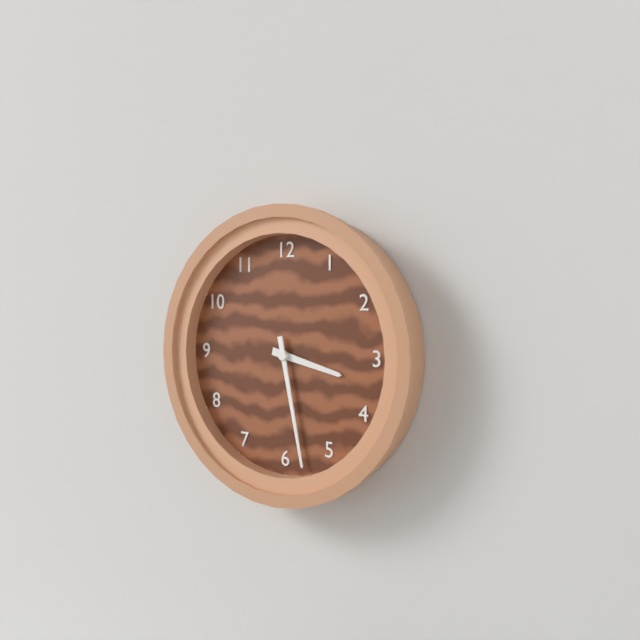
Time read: 3:28
